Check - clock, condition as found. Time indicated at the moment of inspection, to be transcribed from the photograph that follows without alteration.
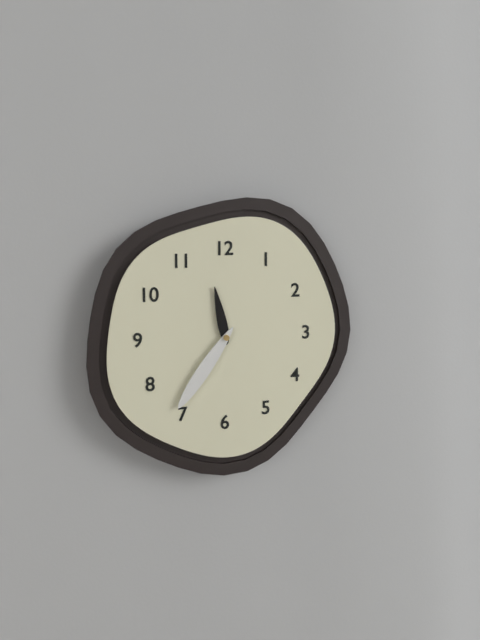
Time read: 11:36
